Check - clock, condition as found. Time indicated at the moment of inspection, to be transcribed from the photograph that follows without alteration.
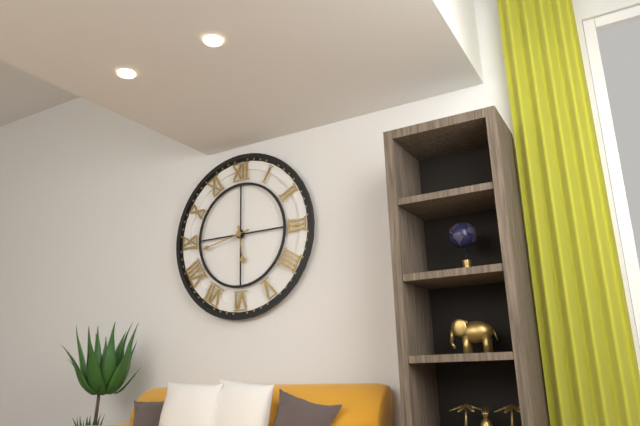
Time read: 5:43
